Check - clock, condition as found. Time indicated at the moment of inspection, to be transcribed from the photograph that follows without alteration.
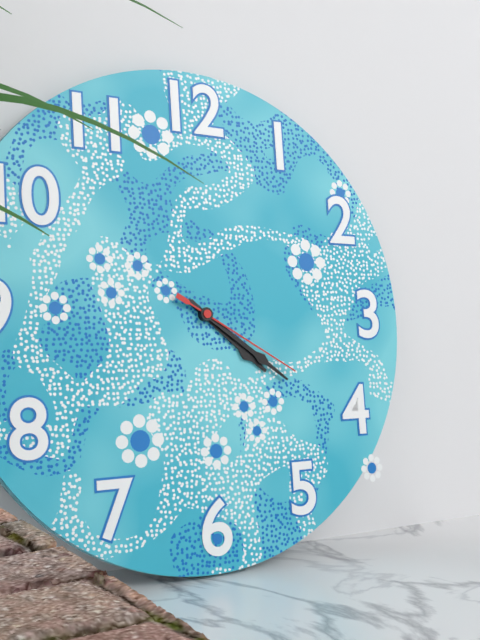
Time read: 4:21:20
